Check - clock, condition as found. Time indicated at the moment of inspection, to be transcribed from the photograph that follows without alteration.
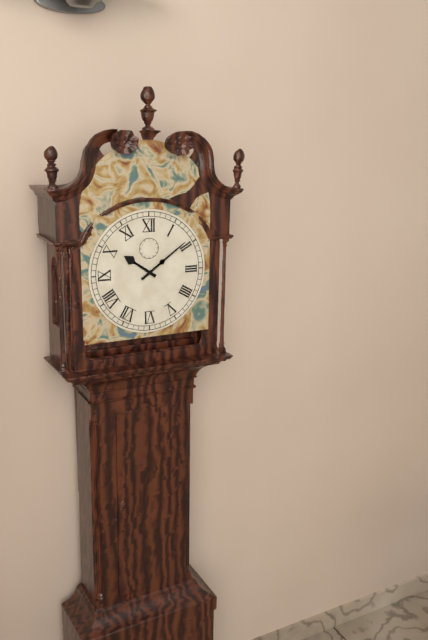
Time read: 10:09
